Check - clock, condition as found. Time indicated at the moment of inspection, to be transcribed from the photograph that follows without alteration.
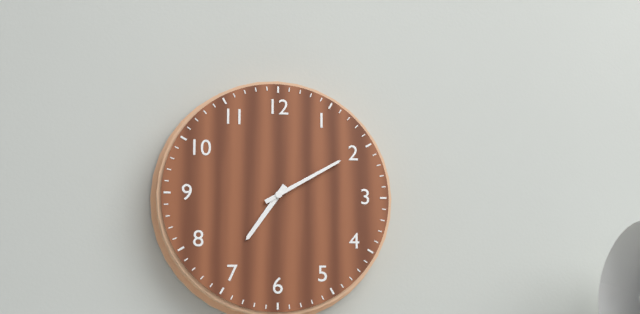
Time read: 7:10
